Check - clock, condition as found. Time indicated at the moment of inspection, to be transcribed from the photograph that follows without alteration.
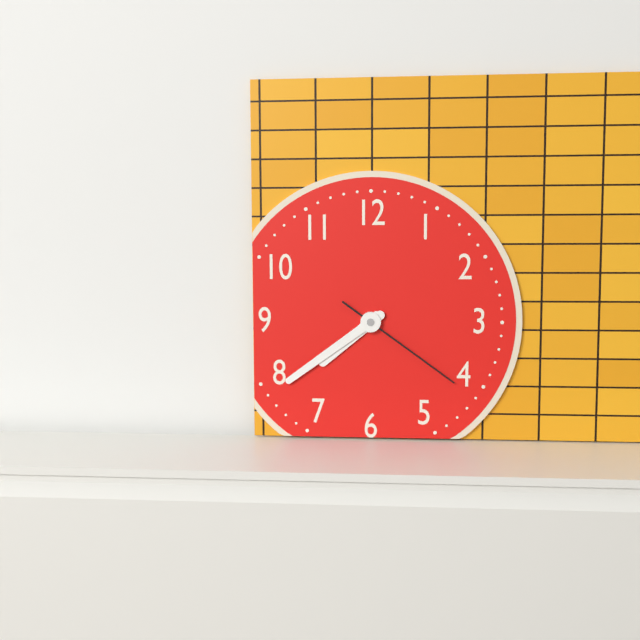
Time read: 7:39:21
